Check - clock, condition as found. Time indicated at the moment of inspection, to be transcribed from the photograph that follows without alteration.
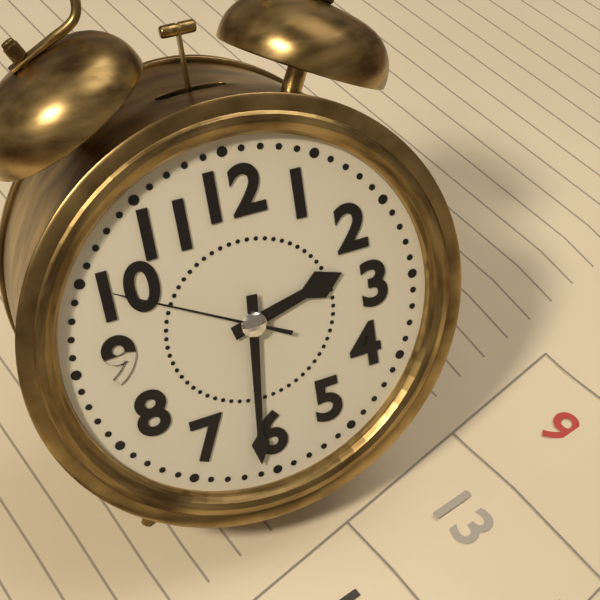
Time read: 2:31:50
